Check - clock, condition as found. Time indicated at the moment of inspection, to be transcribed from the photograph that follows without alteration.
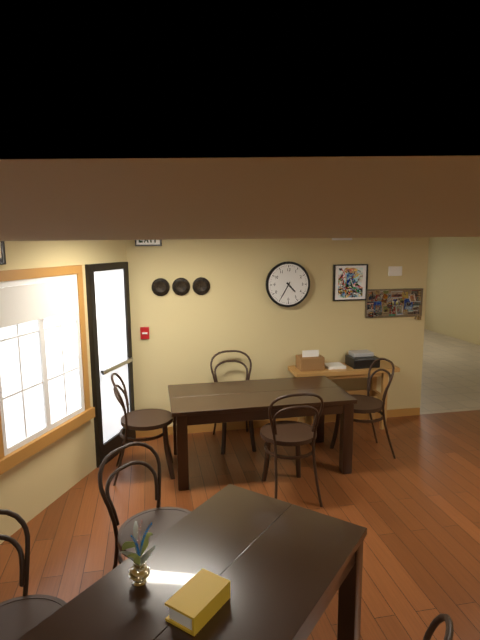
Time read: 4:35
